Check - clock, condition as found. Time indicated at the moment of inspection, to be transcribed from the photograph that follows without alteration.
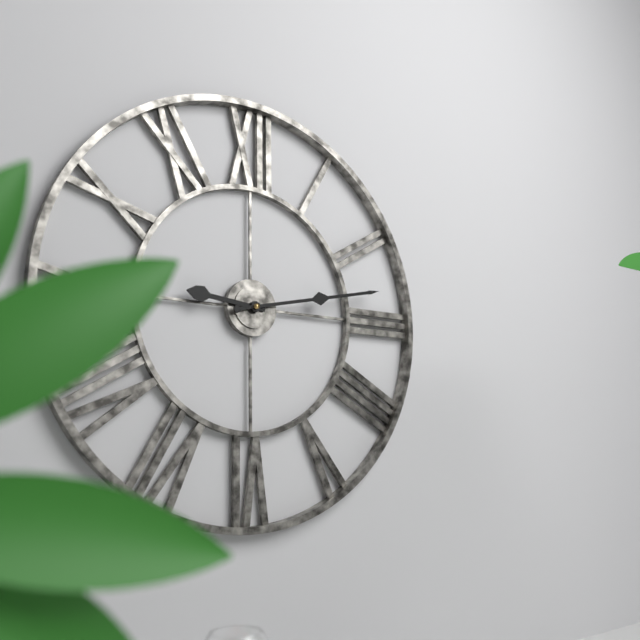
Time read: 9:13
